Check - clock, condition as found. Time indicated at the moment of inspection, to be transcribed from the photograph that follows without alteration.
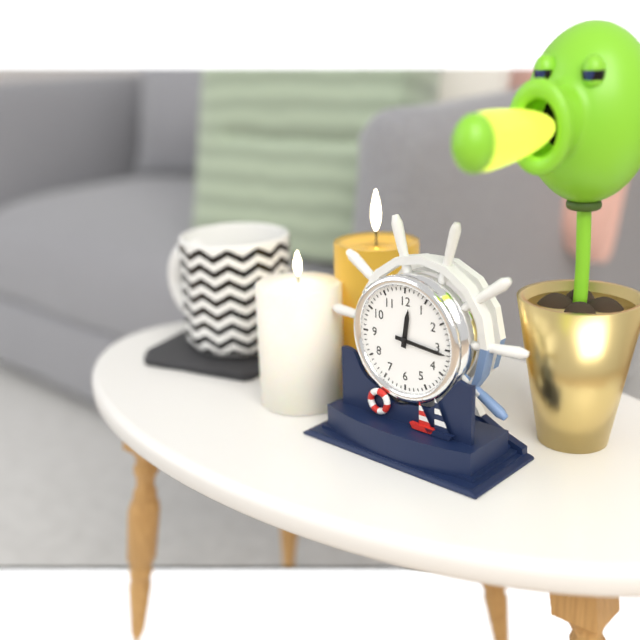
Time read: 12:16
